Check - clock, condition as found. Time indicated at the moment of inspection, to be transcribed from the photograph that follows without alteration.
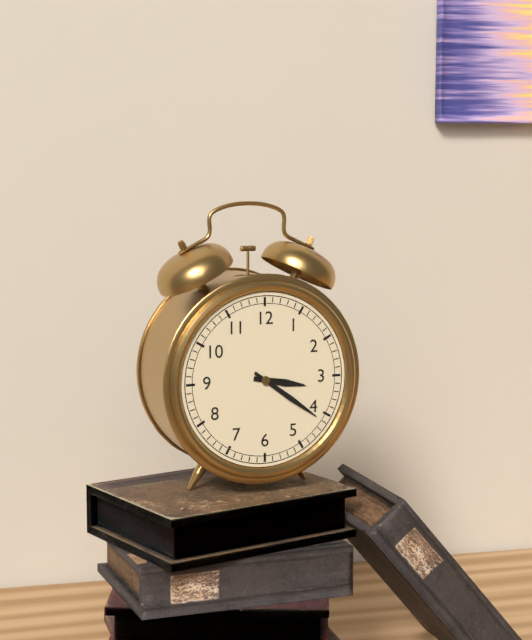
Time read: 3:21
